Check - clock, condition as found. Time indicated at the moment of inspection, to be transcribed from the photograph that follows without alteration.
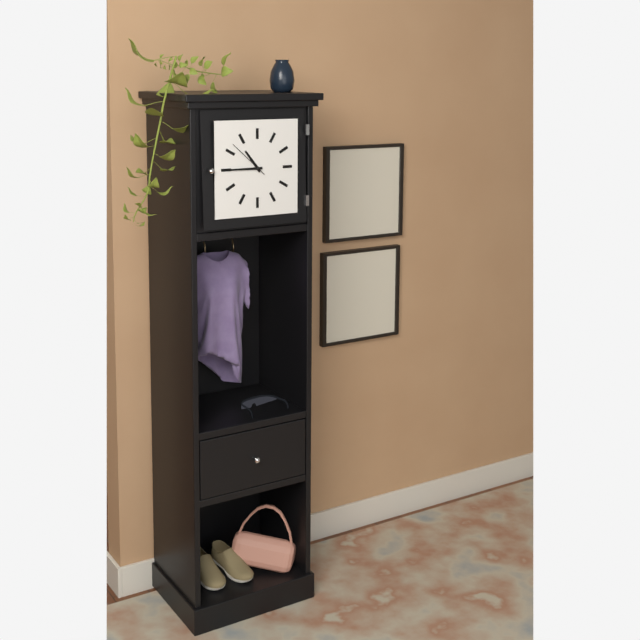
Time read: 10:45
